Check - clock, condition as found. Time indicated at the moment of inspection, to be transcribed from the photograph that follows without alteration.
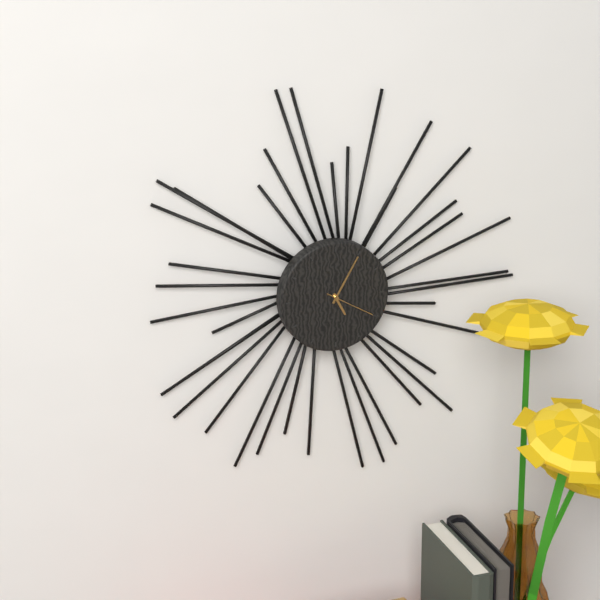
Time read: 5:05:20
